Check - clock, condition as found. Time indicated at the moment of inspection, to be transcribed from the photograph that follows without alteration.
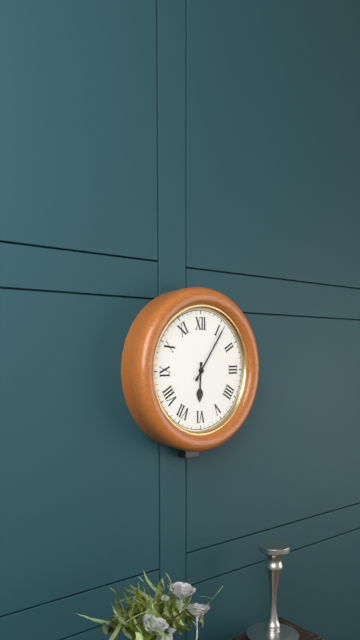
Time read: 6:06
